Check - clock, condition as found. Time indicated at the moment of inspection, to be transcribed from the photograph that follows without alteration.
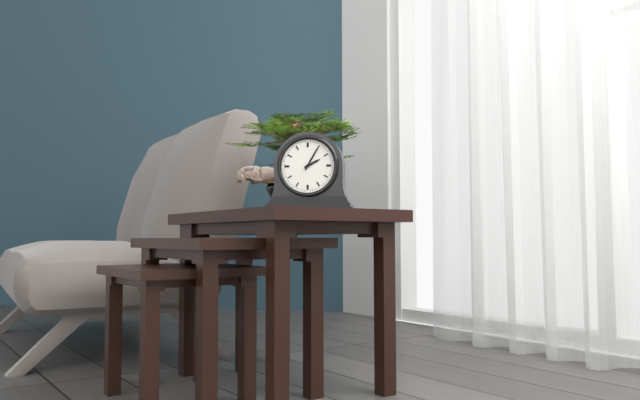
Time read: 2:05
